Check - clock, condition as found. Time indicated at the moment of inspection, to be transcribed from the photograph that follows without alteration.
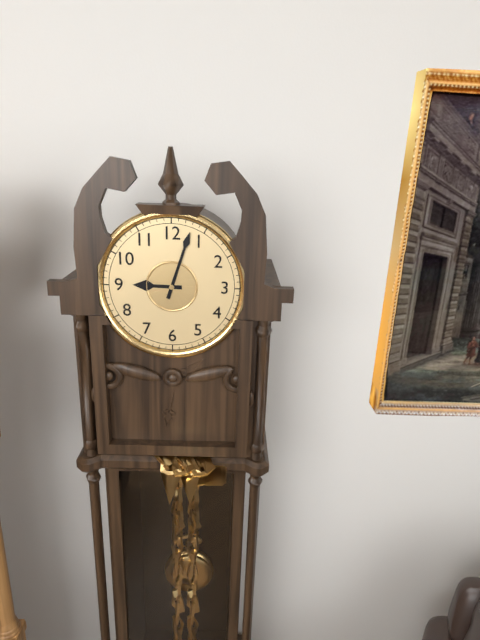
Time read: 9:03
